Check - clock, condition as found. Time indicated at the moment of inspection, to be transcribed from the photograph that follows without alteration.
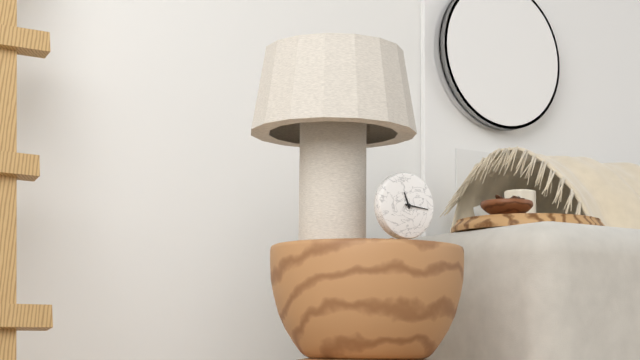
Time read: 11:16
